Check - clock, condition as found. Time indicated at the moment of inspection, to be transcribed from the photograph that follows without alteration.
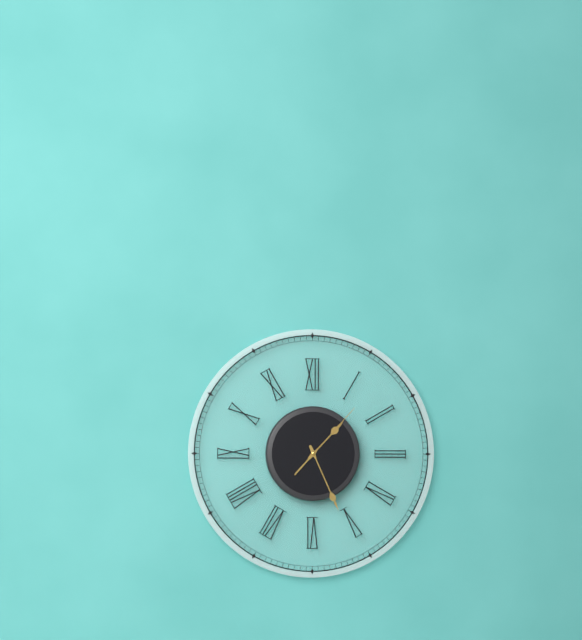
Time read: 1:26:07
